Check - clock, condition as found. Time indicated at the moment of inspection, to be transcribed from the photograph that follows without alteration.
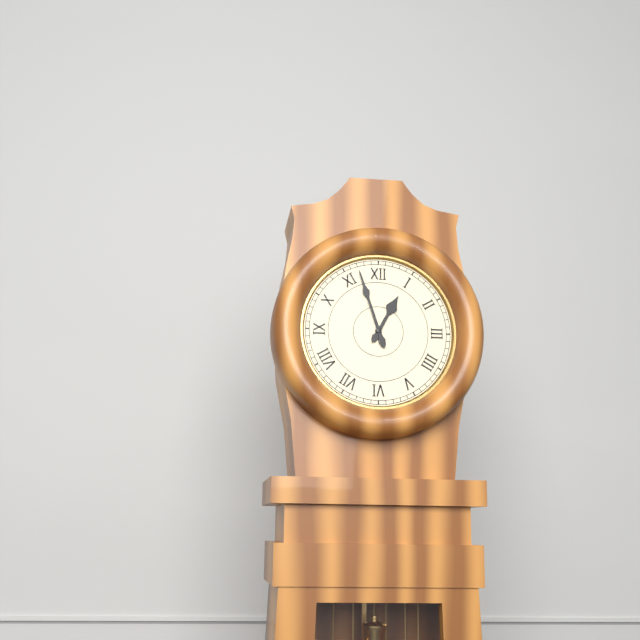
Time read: 12:57
